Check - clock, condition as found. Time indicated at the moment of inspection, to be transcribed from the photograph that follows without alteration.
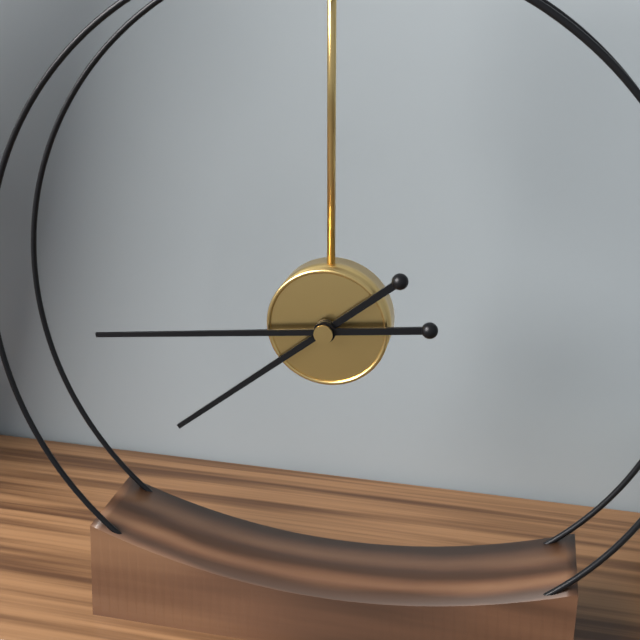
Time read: 7:44
